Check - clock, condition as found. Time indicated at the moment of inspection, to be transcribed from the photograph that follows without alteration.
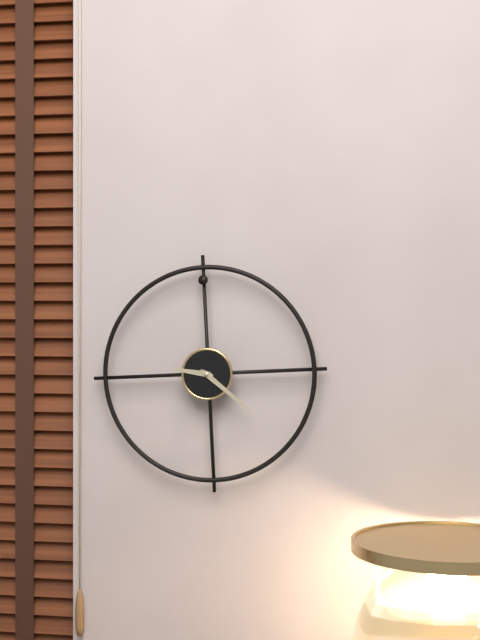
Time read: 9:22
